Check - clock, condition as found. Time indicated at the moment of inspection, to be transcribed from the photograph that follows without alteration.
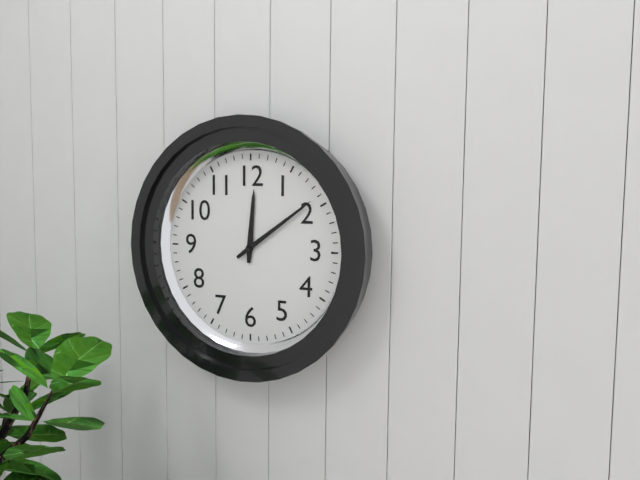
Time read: 12:09
